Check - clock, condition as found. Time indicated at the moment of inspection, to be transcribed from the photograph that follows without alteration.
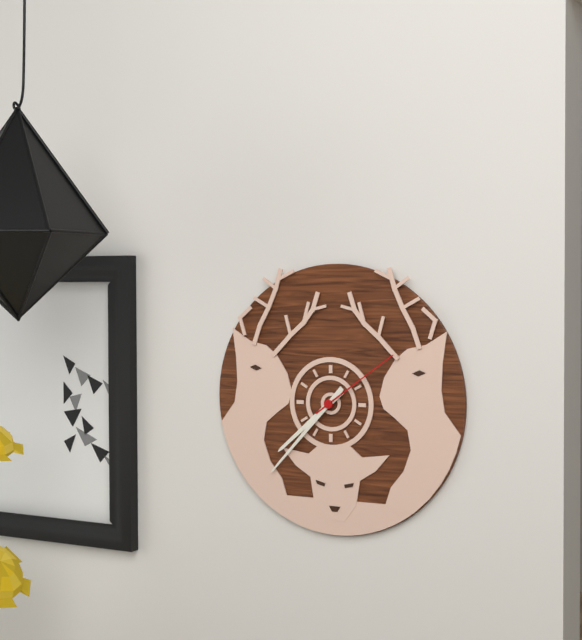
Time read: 7:37:09
